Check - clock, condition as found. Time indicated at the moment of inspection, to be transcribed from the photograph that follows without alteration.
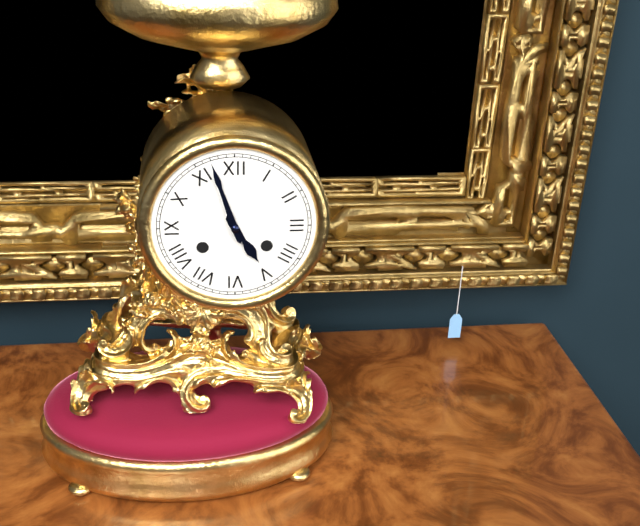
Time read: 4:57
